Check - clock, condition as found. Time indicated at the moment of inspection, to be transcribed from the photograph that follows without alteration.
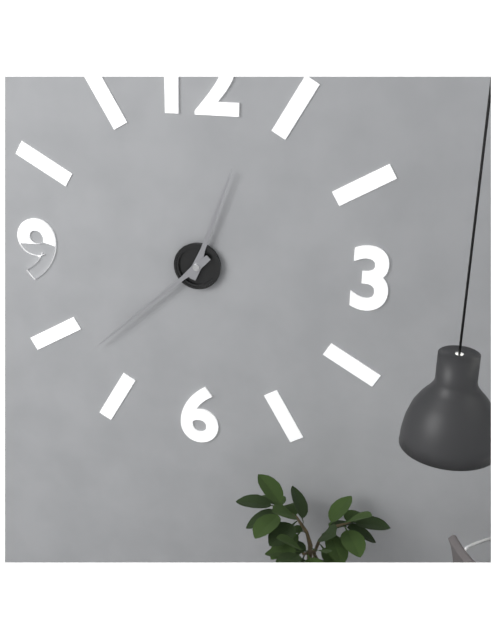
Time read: 12:38
